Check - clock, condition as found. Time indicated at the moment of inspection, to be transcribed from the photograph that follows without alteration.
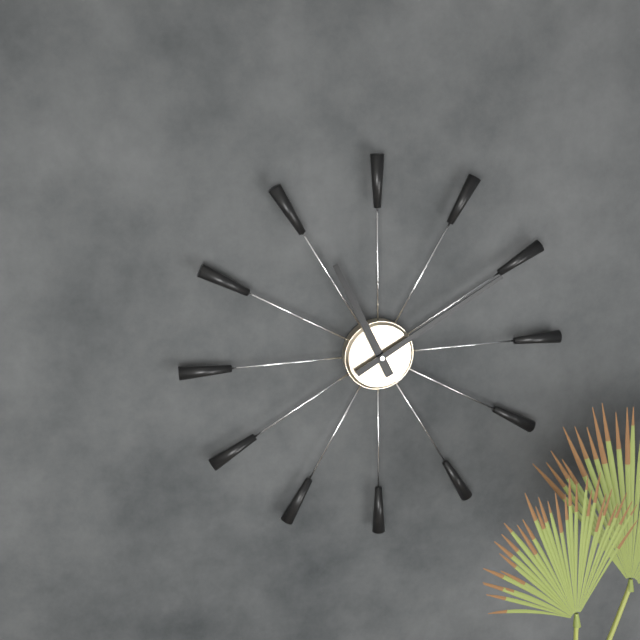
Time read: 11:10
